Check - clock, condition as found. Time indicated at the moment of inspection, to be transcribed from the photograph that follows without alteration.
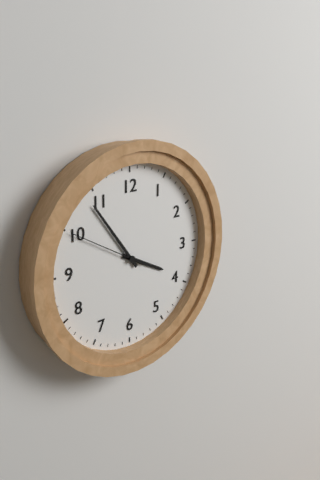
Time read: 3:54:50
